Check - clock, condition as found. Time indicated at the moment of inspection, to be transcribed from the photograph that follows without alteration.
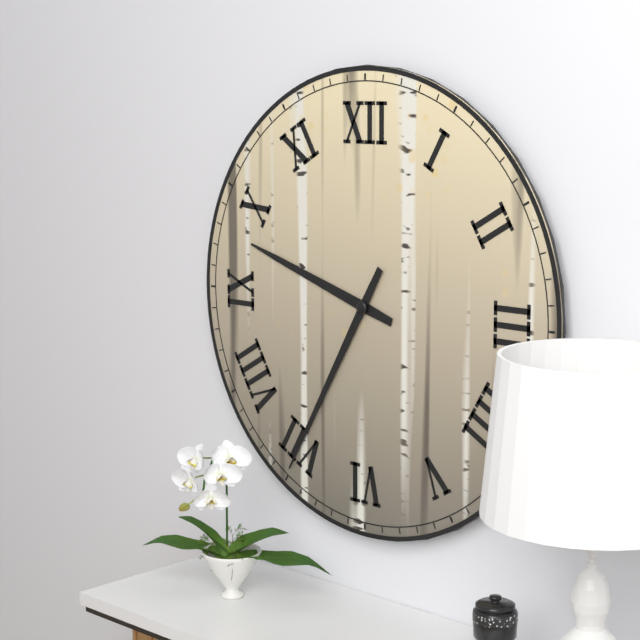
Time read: 9:35
